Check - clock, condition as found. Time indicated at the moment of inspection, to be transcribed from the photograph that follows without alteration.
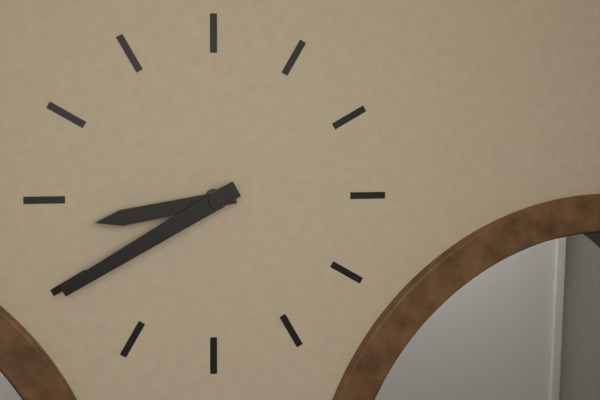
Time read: 8:40
